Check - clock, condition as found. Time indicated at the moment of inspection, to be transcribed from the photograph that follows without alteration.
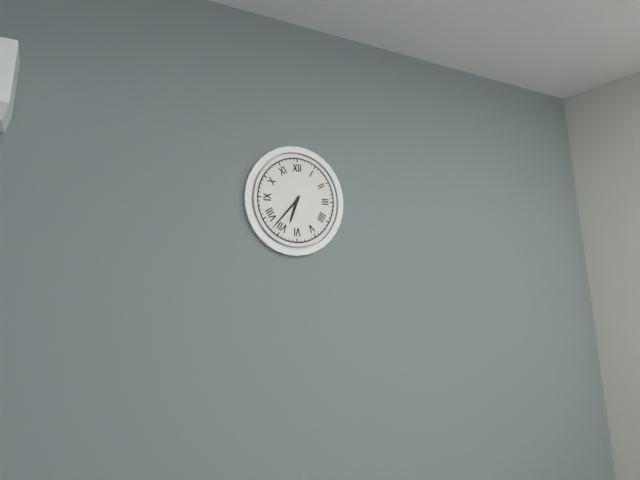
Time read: 6:37
